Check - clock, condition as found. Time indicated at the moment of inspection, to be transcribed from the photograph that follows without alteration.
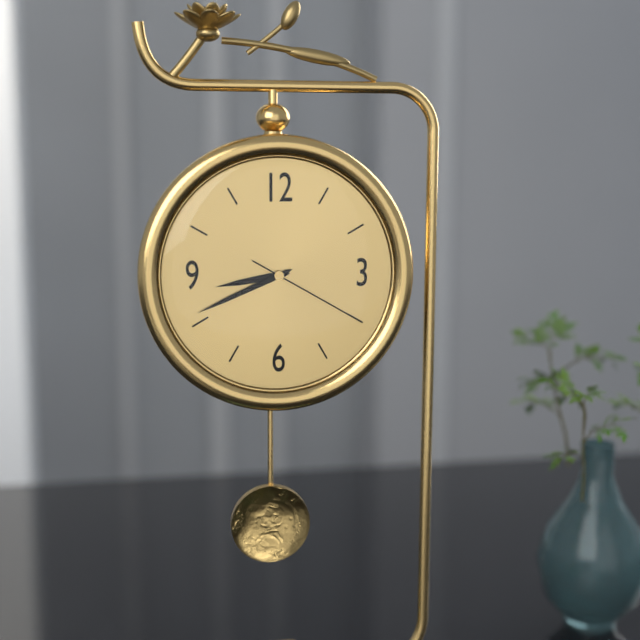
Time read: 8:41:20
